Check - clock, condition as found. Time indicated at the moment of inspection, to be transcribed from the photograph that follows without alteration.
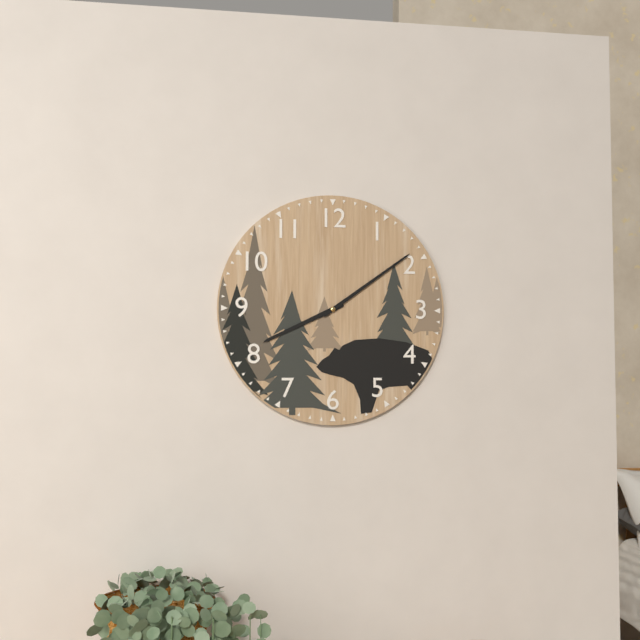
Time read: 8:09
